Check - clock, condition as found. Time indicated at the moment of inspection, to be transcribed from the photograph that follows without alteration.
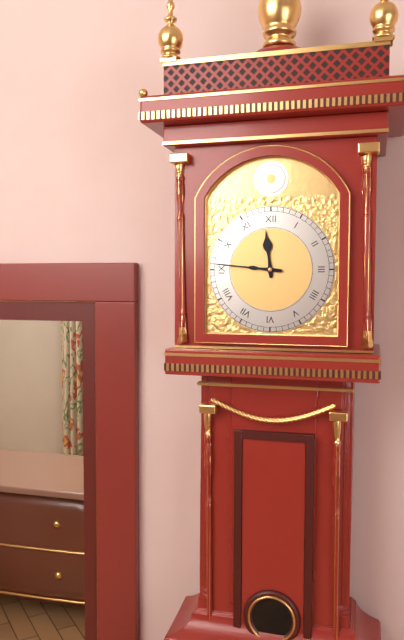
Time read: 11:46
